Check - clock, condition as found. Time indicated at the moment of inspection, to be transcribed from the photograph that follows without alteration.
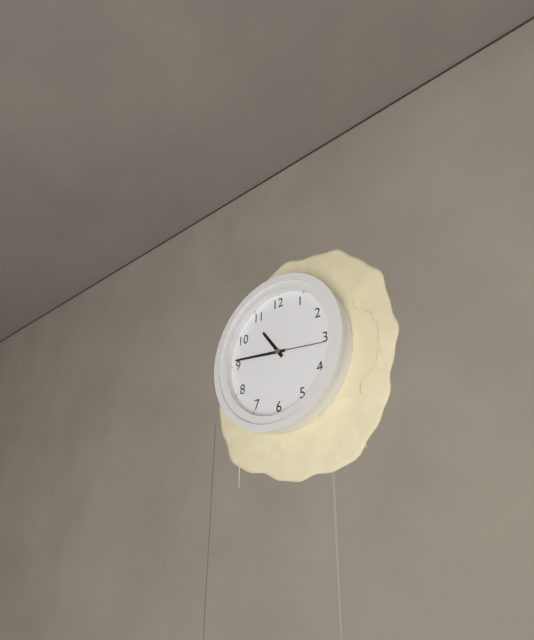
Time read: 10:46:16
